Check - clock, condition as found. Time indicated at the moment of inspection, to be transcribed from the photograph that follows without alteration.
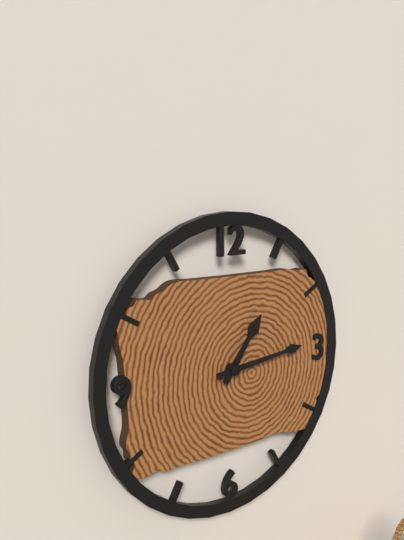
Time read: 1:14
